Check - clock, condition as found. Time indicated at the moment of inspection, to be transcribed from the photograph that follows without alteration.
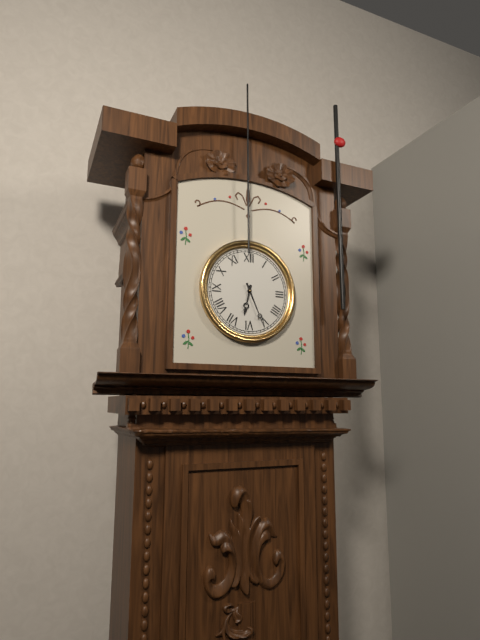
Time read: 6:26
